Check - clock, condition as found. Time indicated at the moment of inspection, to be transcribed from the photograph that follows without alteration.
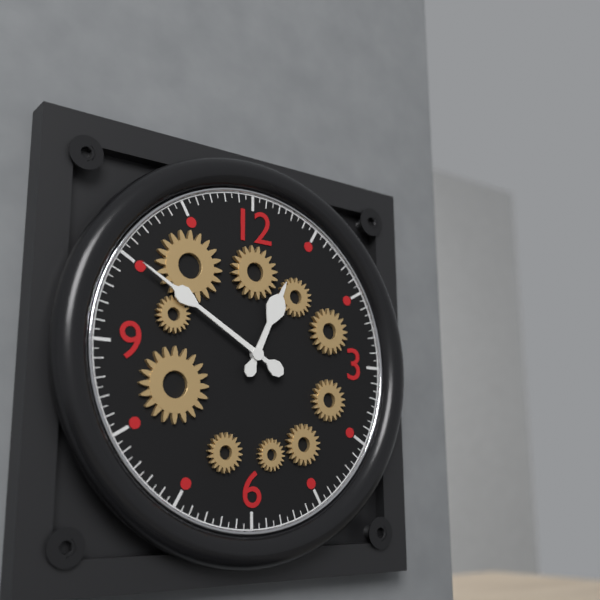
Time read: 12:50
